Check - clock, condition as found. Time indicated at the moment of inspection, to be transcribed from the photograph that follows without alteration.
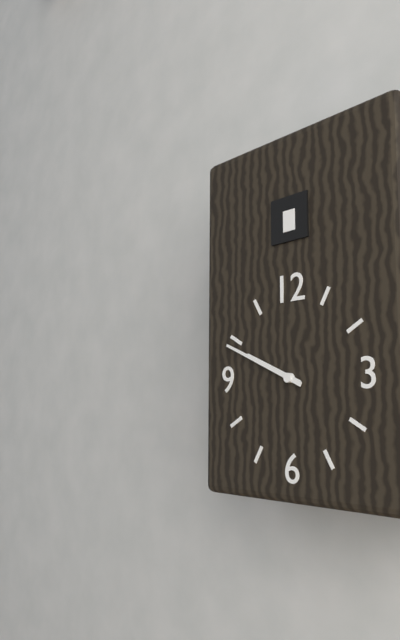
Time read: 9:49
